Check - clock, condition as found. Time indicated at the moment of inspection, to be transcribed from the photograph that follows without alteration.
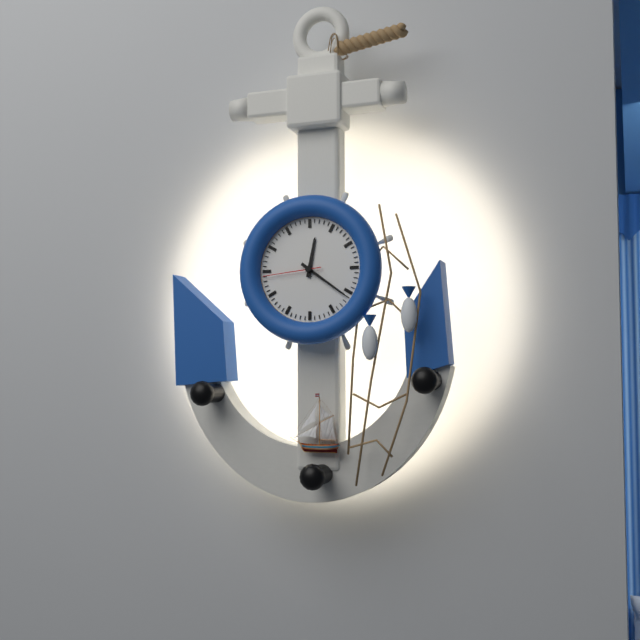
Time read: 12:21:44
